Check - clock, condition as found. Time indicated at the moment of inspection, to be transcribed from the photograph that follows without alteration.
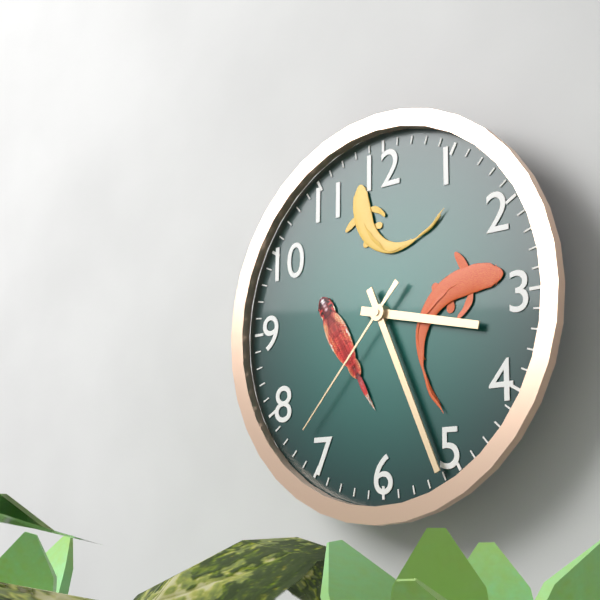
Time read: 3:26:37
